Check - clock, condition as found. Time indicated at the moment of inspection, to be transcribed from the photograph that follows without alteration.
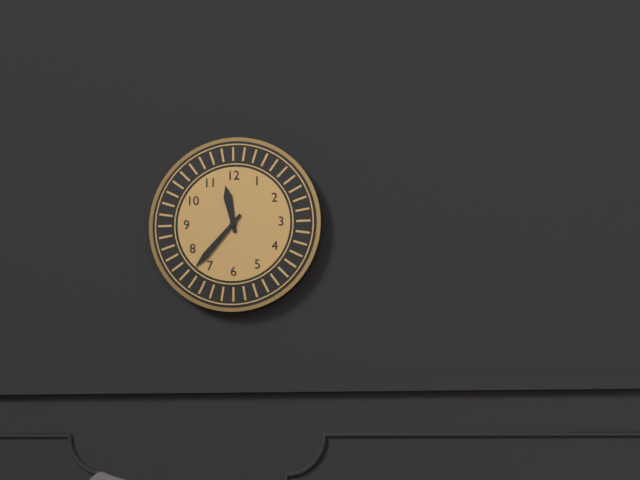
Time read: 11:37
